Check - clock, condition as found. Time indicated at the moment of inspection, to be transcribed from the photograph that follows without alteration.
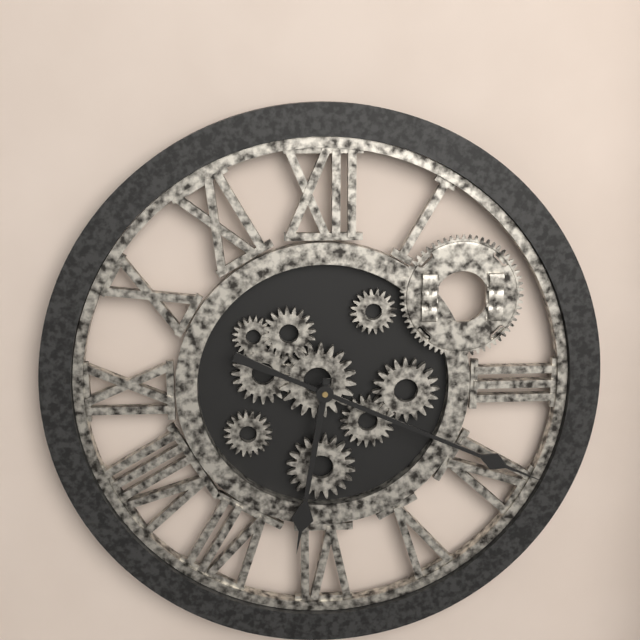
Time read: 6:19
